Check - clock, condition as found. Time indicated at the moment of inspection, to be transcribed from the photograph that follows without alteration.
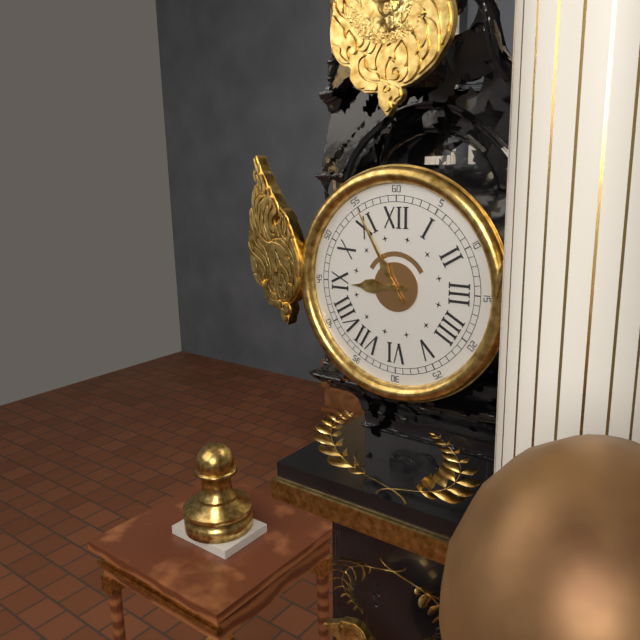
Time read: 8:55
